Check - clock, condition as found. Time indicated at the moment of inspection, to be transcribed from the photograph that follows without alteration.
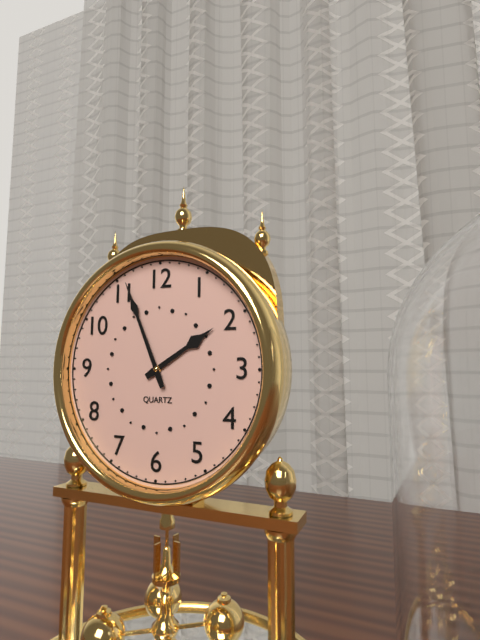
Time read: 1:56
